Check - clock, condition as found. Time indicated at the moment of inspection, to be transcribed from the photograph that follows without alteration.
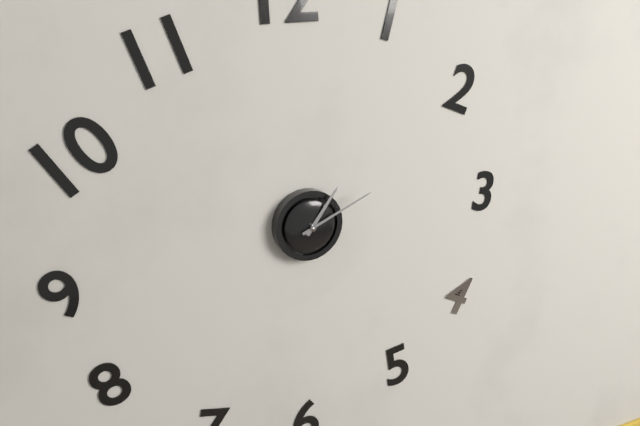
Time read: 1:11
